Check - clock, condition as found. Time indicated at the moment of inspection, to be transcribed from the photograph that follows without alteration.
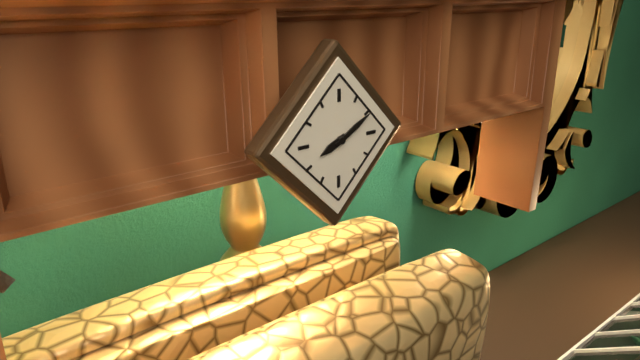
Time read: 8:10
